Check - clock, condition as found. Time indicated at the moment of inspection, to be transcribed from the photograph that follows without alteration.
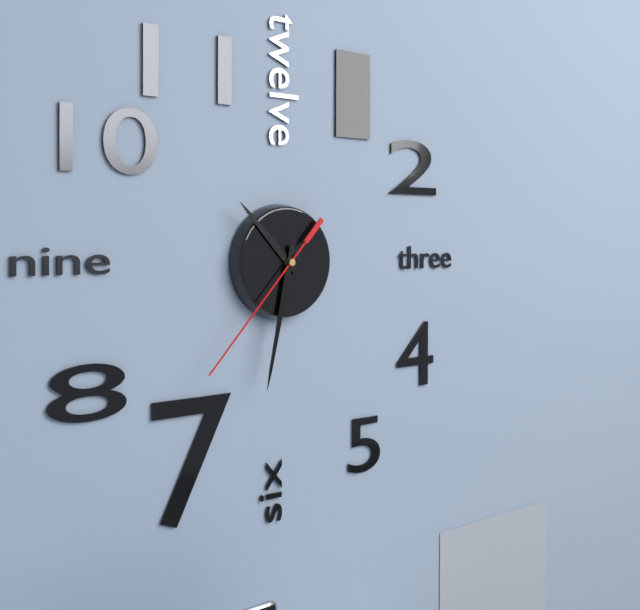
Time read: 10:32:37
